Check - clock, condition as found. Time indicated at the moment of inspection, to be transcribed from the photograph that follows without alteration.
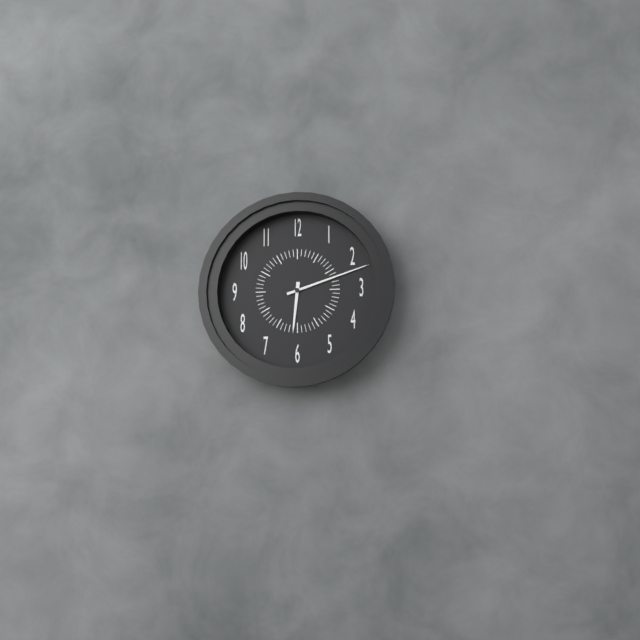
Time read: 6:12
